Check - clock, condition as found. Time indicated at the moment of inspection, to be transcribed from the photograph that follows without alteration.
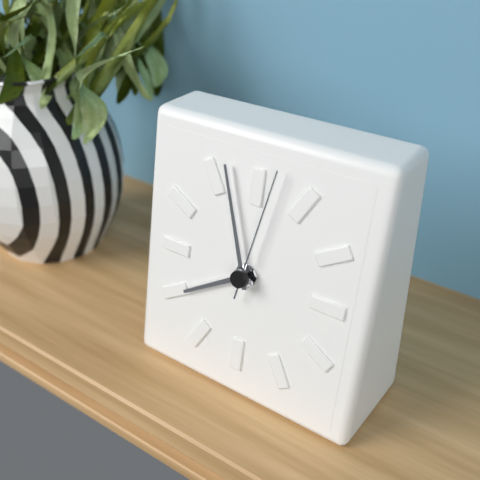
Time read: 7:57:02
